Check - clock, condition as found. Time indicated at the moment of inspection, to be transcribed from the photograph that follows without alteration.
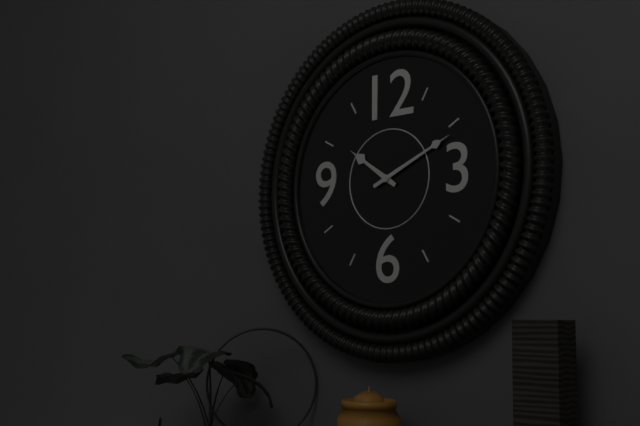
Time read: 10:11
